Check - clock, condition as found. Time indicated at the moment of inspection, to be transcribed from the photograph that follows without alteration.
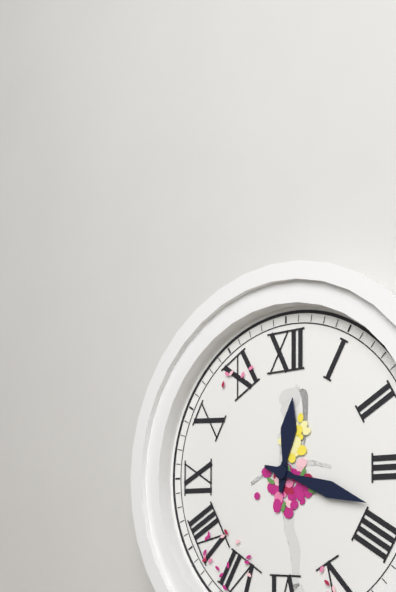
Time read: 12:18
